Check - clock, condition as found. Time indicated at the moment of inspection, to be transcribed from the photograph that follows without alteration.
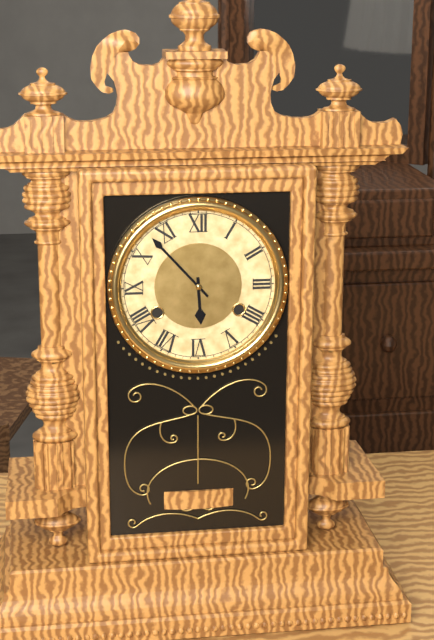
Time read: 5:53
